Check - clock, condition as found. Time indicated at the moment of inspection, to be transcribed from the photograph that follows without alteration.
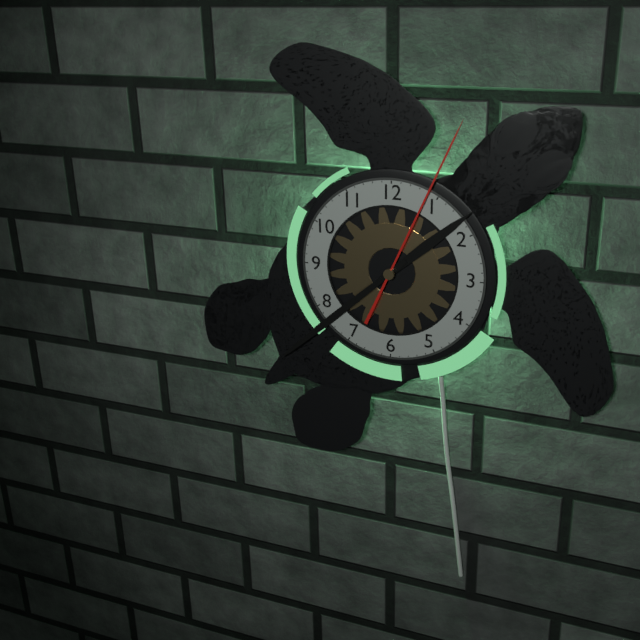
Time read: 1:38:04
